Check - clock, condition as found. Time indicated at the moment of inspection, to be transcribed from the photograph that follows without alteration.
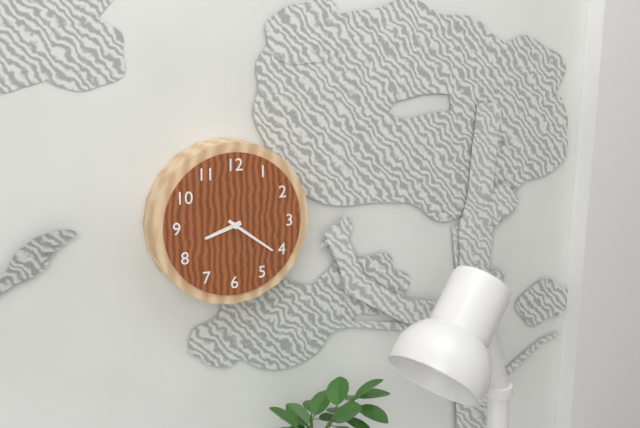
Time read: 8:21
